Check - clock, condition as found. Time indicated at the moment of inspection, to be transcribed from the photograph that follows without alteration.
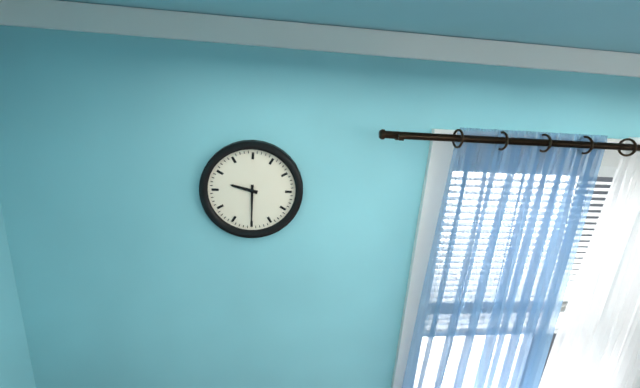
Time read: 9:30
